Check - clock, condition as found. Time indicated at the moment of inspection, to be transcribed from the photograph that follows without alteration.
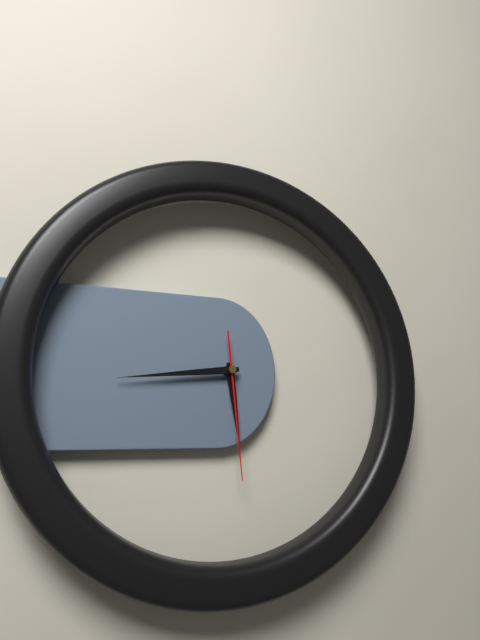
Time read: 5:44:29
